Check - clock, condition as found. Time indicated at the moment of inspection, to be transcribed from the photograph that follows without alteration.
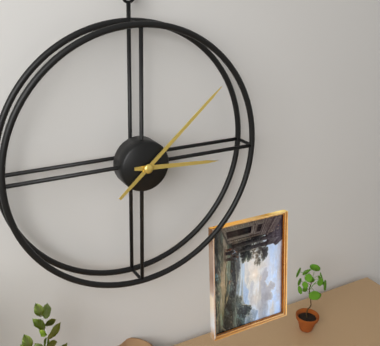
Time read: 3:08
